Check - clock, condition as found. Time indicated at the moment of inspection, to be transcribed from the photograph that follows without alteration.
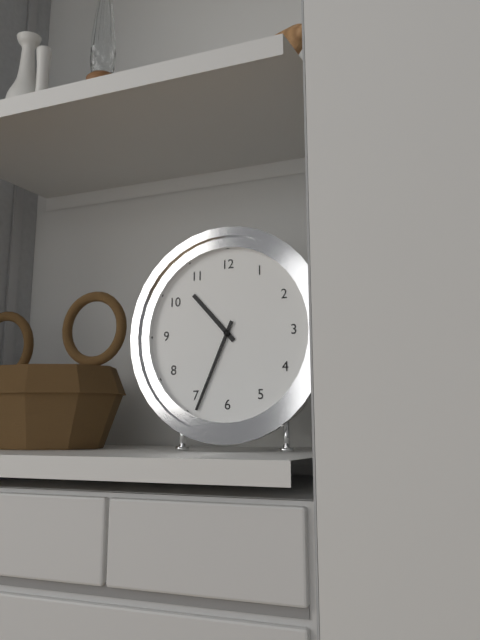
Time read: 10:34
